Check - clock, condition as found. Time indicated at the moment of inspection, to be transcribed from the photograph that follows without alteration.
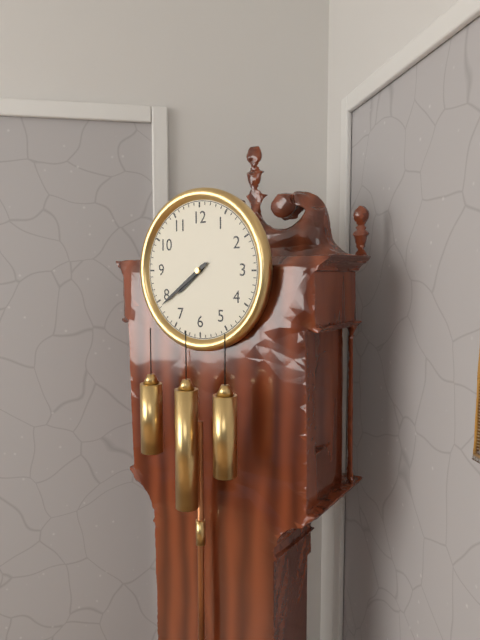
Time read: 7:39
